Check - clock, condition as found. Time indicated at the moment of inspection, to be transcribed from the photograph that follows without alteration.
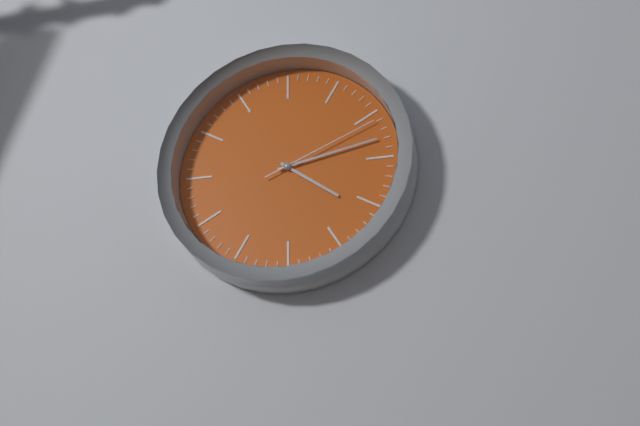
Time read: 4:13:11
